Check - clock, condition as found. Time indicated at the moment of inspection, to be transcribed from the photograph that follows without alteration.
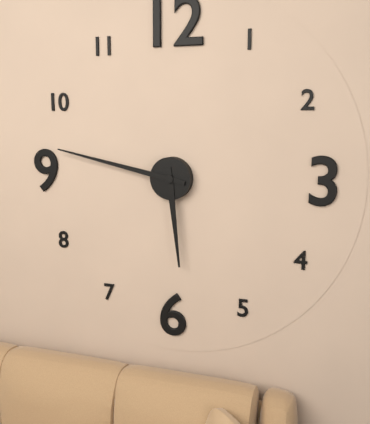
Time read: 5:47
